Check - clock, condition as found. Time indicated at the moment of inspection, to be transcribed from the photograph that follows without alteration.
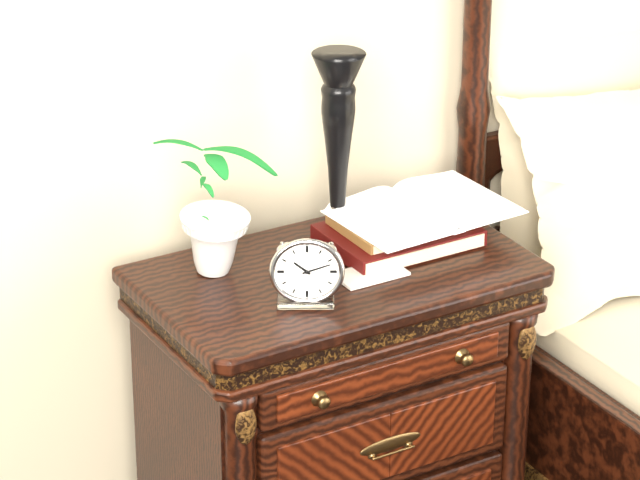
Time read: 10:12
